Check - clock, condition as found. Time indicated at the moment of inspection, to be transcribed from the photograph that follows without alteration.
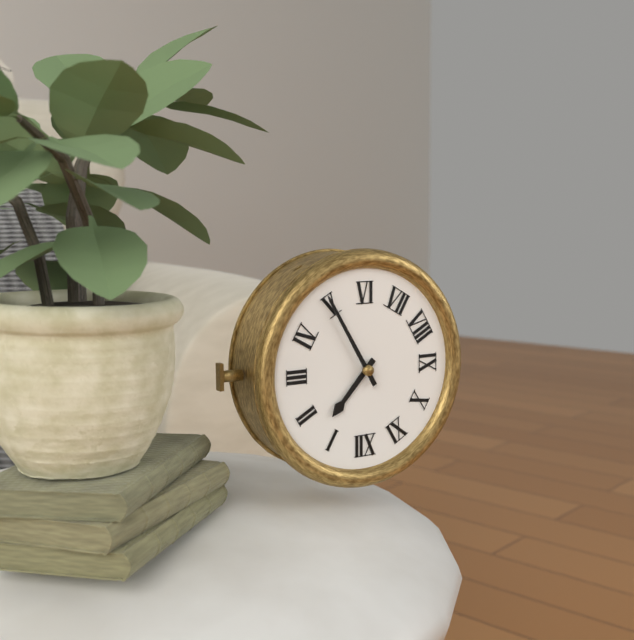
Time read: 1:25
